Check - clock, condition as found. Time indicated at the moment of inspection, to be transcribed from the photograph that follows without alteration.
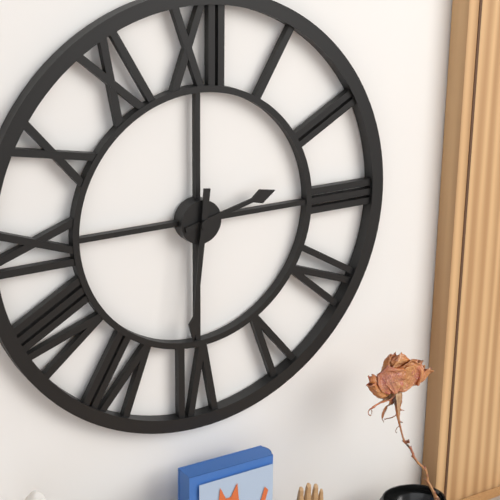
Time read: 2:31
